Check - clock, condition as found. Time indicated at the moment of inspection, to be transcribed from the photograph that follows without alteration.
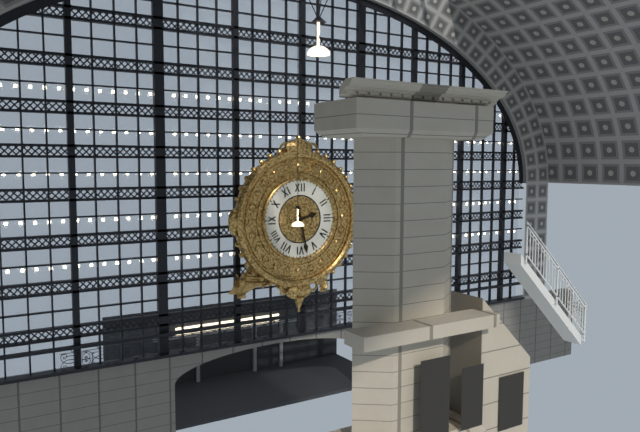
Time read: 2:28
